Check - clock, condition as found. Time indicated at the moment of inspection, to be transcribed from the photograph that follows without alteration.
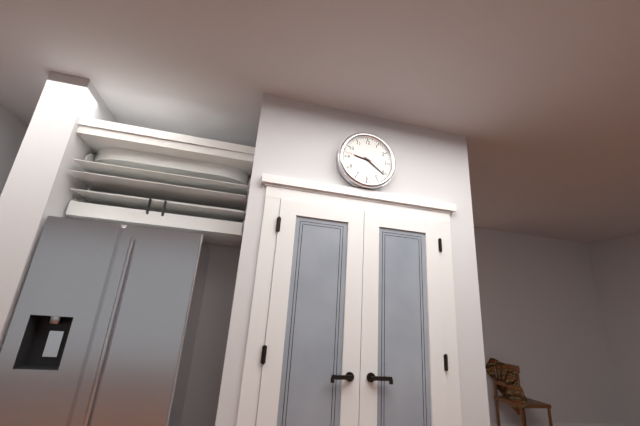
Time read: 9:21
